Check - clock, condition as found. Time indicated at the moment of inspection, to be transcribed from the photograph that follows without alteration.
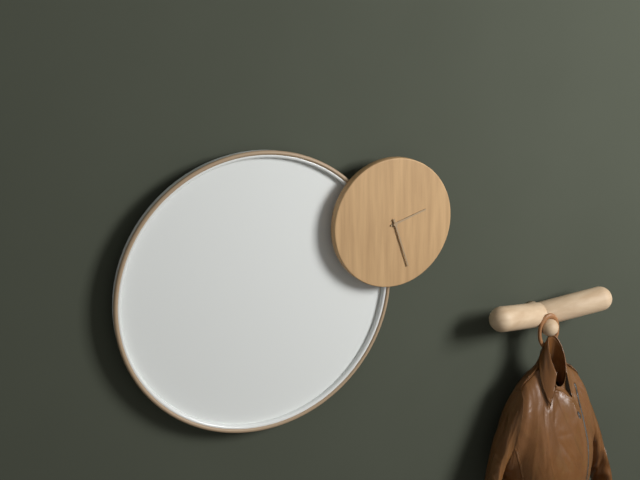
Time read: 2:27
